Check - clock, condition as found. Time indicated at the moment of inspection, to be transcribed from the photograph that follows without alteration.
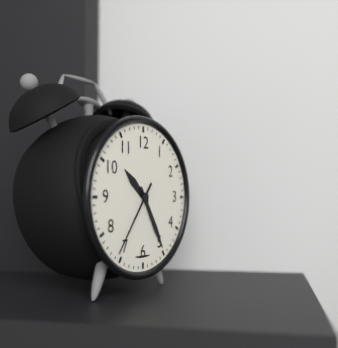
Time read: 10:25:36
